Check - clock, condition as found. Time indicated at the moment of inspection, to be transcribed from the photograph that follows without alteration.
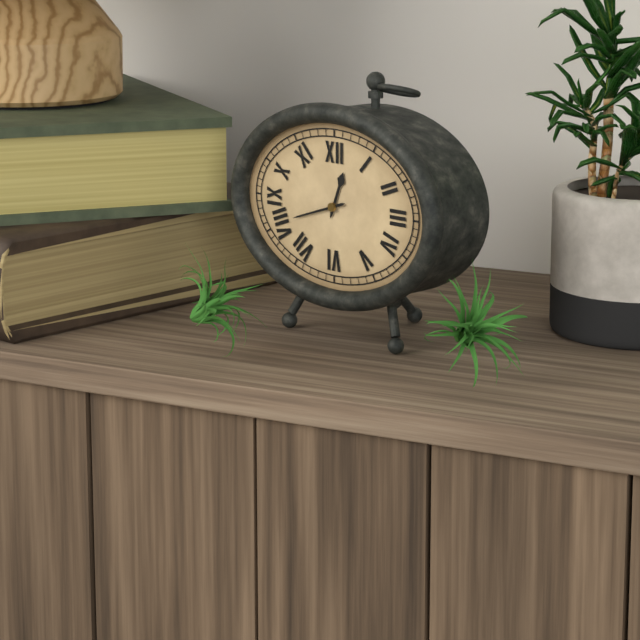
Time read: 12:42
